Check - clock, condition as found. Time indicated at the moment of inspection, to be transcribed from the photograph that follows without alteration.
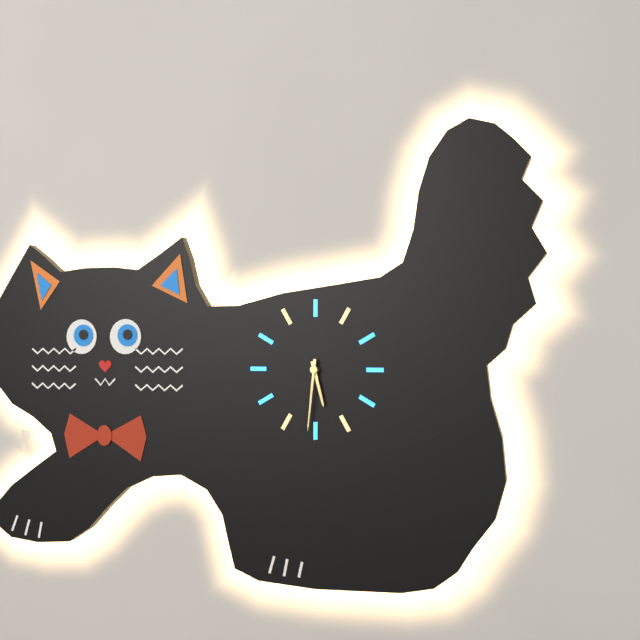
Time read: 5:31
